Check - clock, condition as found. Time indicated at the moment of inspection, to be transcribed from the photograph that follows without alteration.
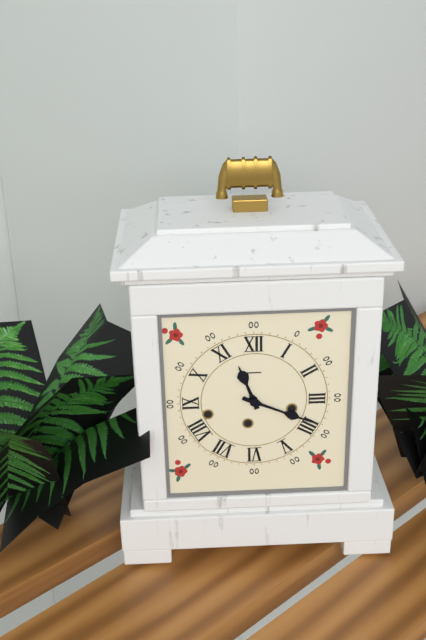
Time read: 11:19
